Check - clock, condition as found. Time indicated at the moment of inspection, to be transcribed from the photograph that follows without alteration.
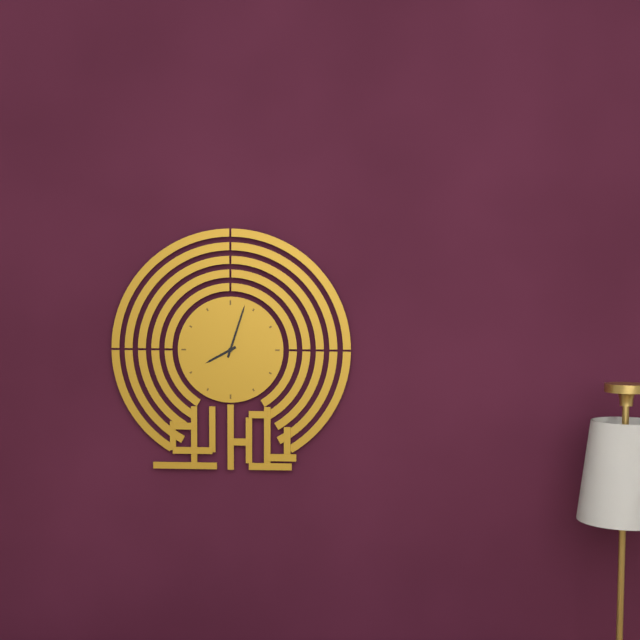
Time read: 8:03
